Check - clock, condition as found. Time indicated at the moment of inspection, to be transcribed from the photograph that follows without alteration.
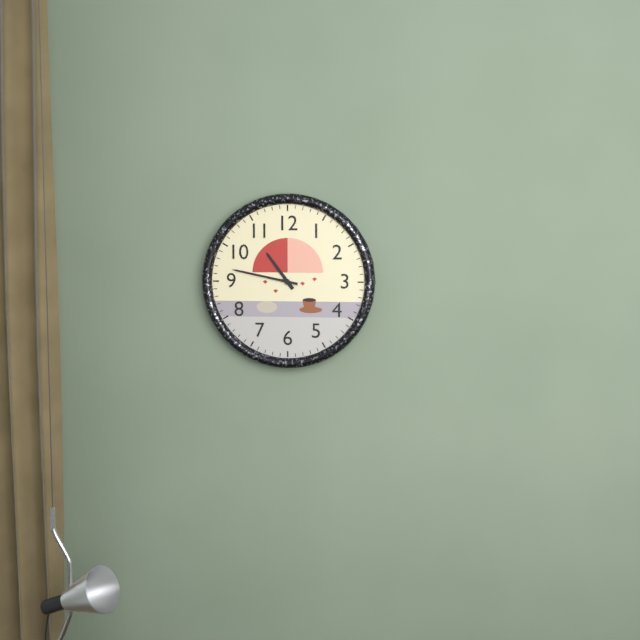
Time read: 10:47
